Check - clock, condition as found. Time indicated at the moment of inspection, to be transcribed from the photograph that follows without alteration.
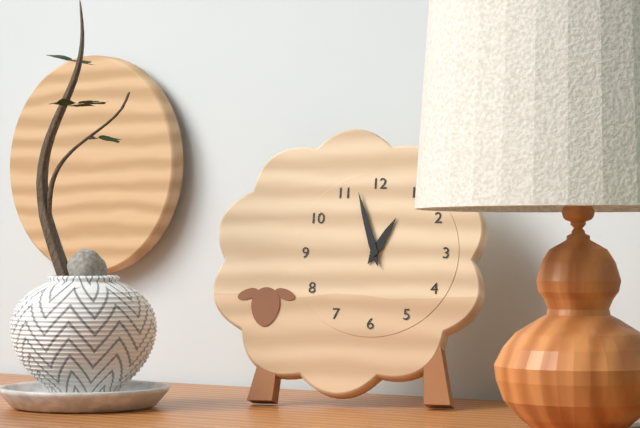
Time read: 12:57
